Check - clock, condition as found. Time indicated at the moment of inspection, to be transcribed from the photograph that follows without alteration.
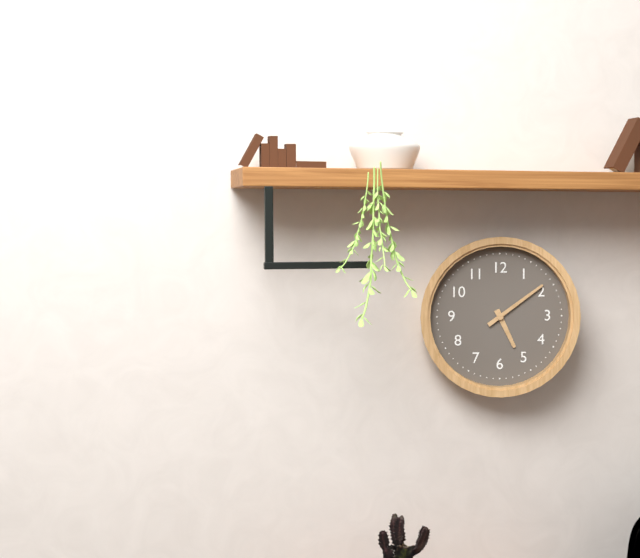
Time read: 5:09
